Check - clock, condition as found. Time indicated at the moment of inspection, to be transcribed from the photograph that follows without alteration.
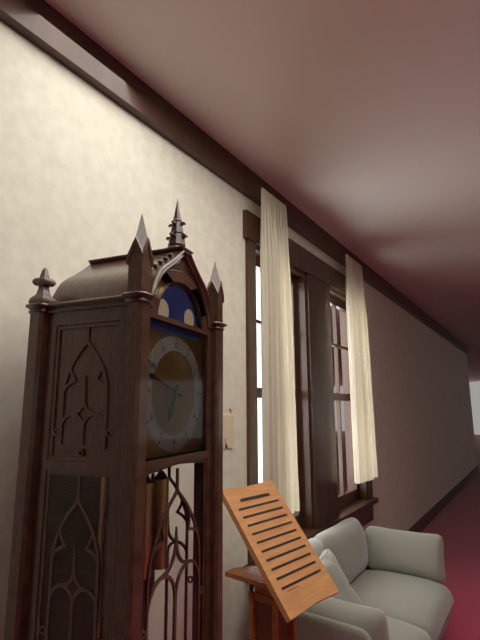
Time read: 6:48
